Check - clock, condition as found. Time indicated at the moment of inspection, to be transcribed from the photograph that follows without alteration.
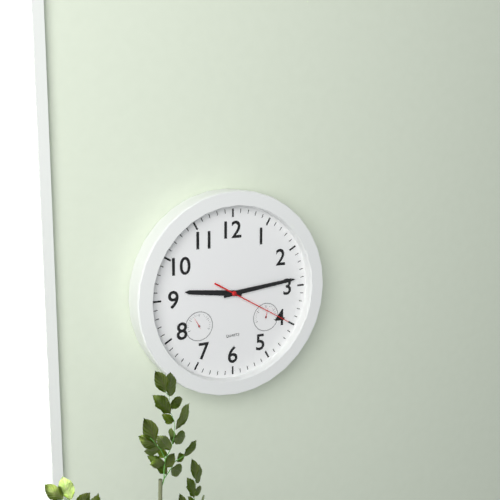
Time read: 9:14:20
